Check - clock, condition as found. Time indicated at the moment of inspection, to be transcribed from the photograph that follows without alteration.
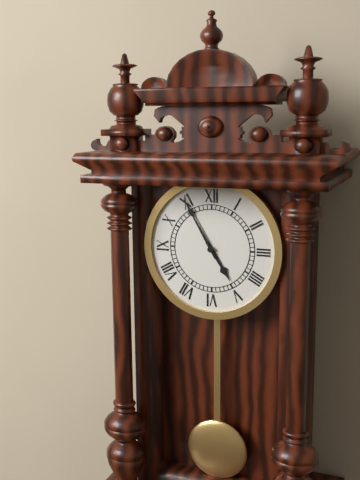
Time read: 4:55
